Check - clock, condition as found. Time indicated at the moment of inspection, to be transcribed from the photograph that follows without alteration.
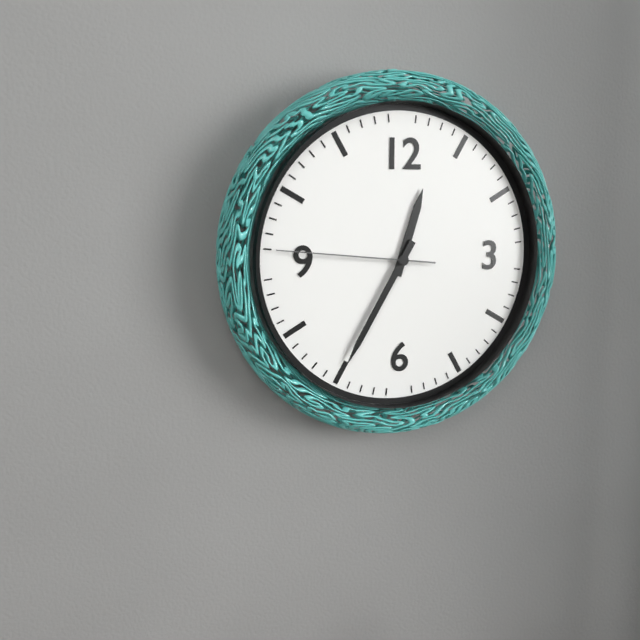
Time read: 12:35:46
